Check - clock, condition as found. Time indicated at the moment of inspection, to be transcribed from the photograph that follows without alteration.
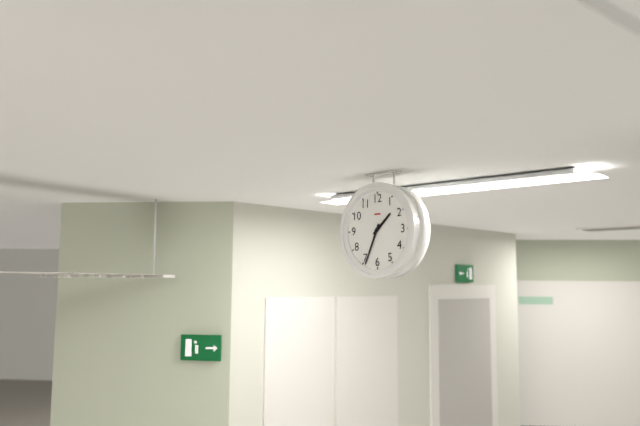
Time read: 1:34
